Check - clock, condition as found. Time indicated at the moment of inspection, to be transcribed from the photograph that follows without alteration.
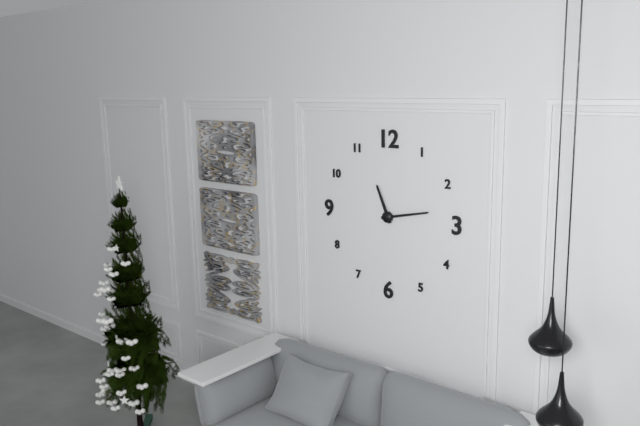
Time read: 11:13
